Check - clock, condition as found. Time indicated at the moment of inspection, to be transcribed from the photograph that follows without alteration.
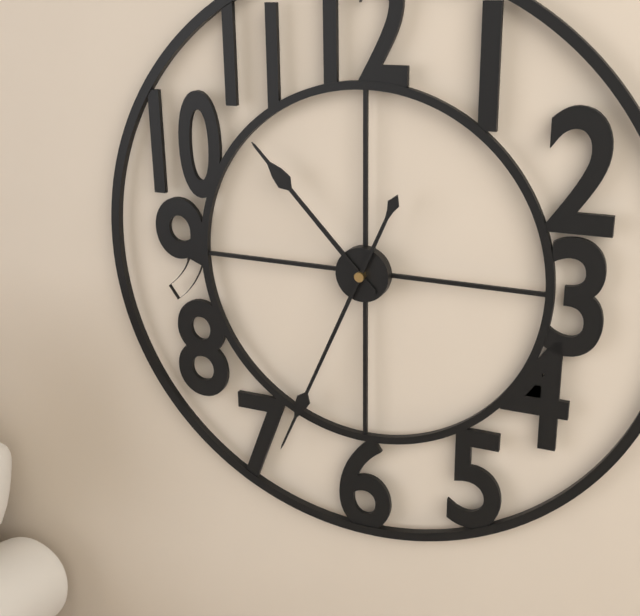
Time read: 10:34
